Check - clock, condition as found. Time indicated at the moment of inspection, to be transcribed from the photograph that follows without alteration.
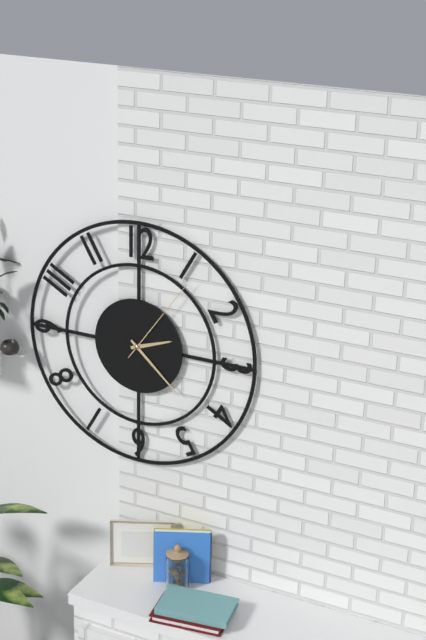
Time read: 2:22:06
